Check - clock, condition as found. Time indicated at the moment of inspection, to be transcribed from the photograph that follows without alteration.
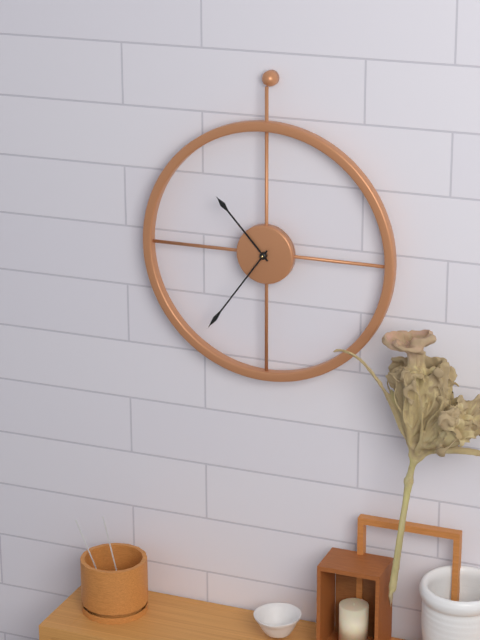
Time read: 10:36
